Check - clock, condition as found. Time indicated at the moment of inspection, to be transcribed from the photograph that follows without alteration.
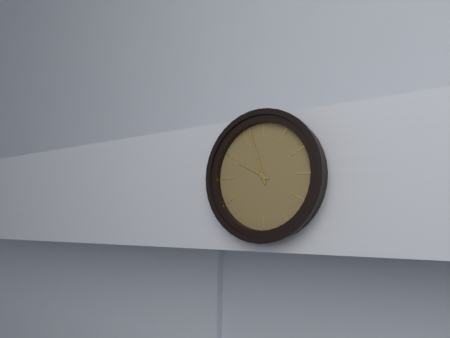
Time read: 9:57
